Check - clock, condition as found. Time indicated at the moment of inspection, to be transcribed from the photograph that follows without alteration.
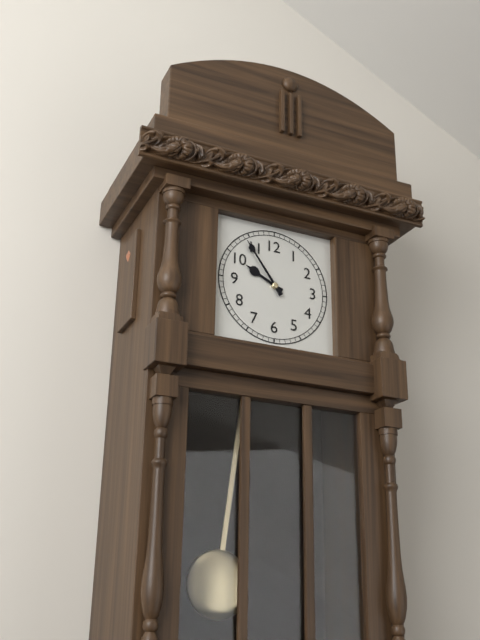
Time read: 9:54
